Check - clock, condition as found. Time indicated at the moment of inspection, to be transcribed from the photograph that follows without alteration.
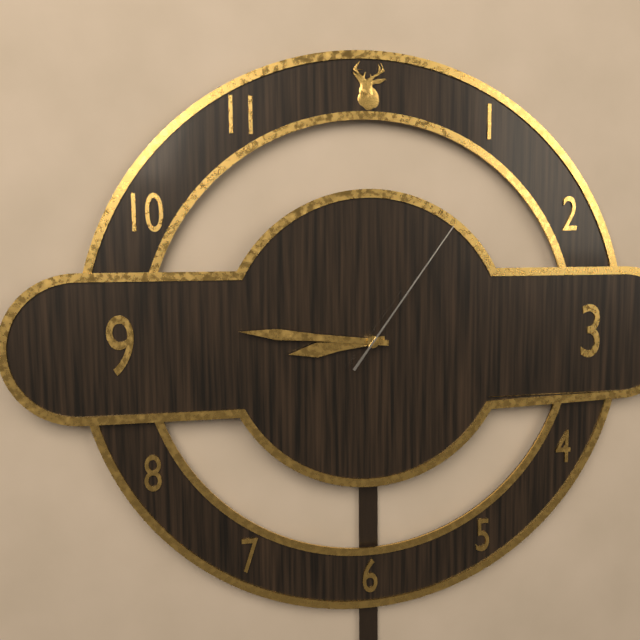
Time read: 8:46:06
